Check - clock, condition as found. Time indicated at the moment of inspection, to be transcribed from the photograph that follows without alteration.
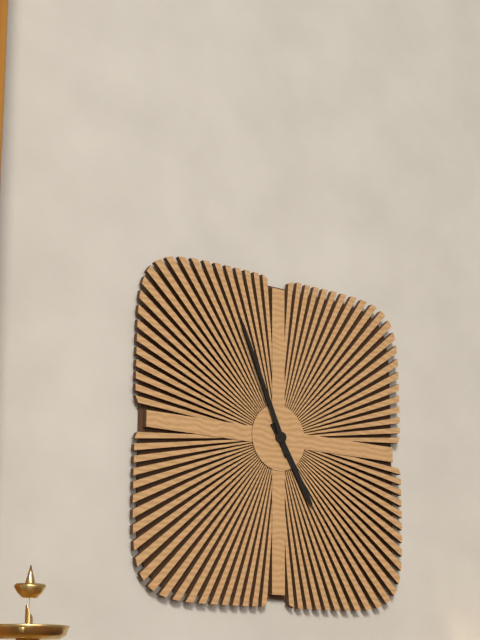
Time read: 4:56
